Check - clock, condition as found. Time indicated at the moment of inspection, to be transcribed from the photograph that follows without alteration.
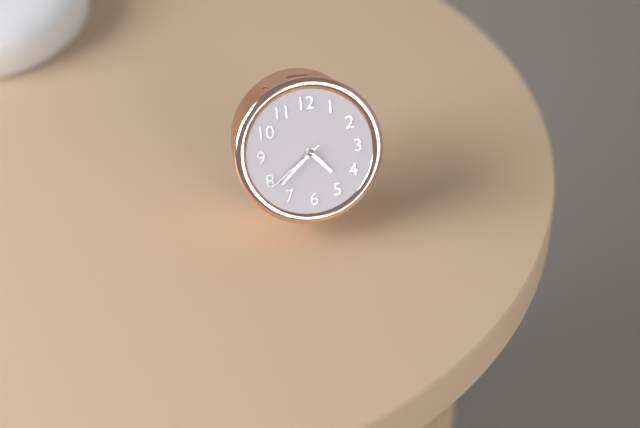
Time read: 4:38:39
